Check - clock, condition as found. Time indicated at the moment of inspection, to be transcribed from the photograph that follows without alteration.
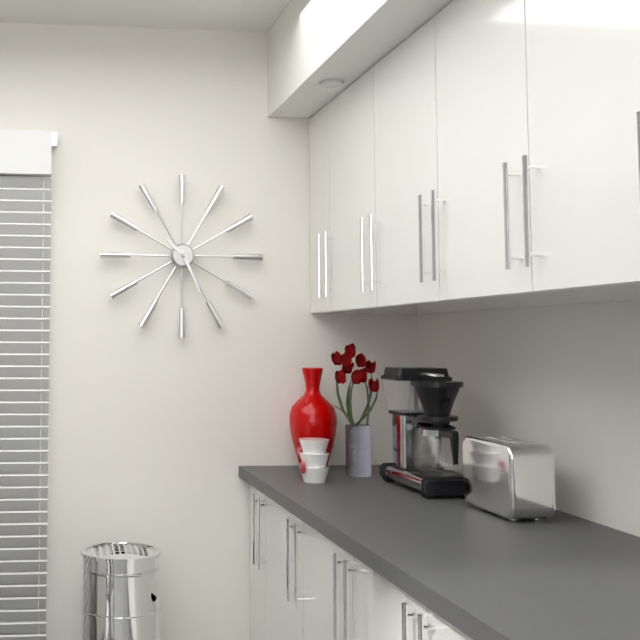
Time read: 10:26
